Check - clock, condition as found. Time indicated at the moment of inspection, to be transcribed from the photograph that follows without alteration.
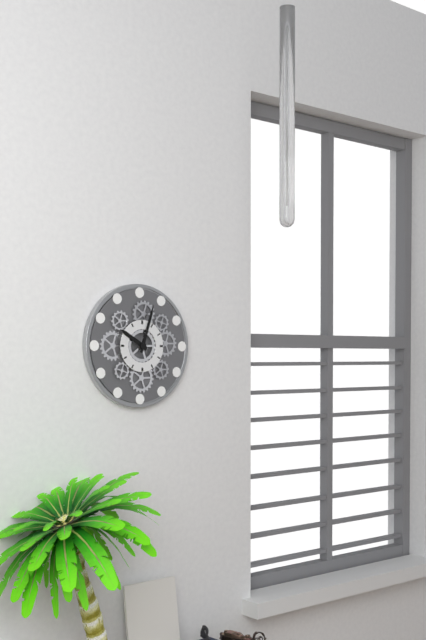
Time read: 10:03
